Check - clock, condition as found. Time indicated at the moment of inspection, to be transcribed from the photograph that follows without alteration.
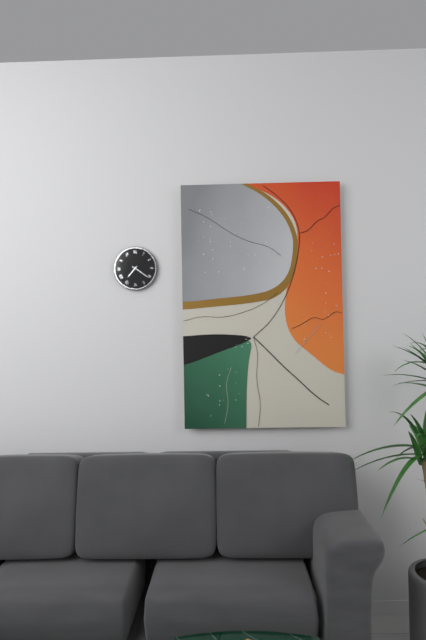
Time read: 7:21
